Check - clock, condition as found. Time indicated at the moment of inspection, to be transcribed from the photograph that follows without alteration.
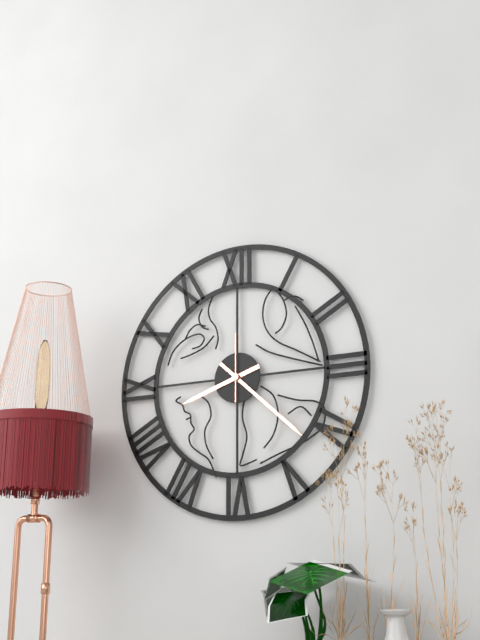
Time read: 8:22:00
